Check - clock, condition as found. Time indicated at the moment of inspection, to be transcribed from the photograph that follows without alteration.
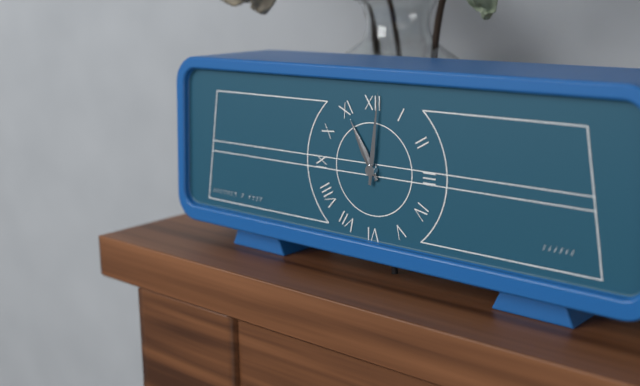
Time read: 11:01
